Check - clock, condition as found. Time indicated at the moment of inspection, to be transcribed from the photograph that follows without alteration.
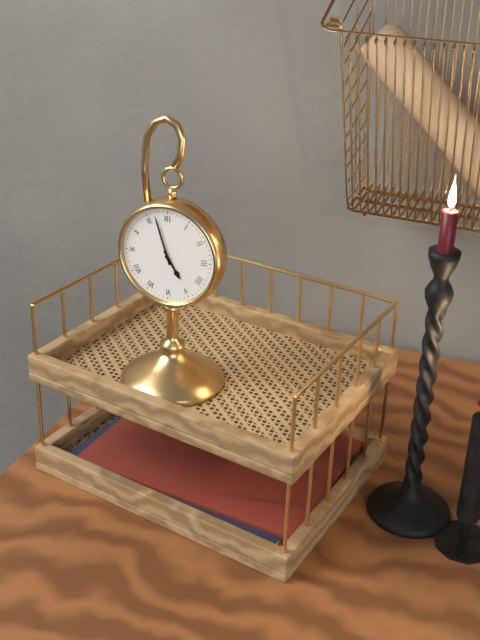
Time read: 4:57
